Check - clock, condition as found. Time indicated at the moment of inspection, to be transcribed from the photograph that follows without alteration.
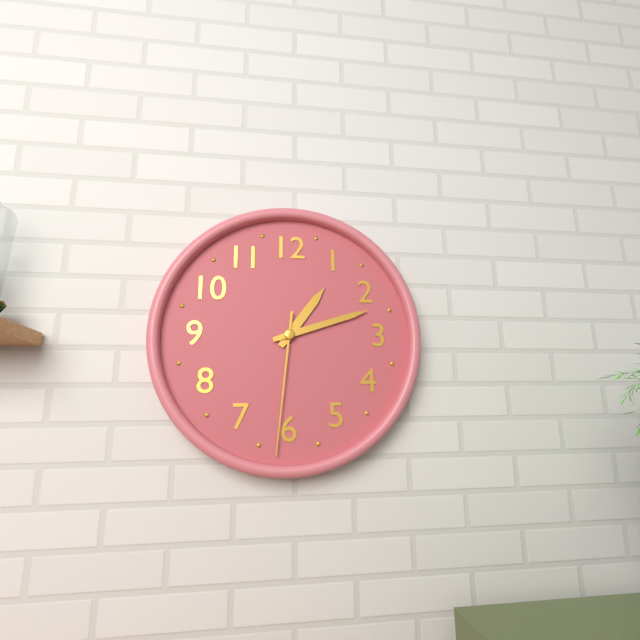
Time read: 1:12:31
